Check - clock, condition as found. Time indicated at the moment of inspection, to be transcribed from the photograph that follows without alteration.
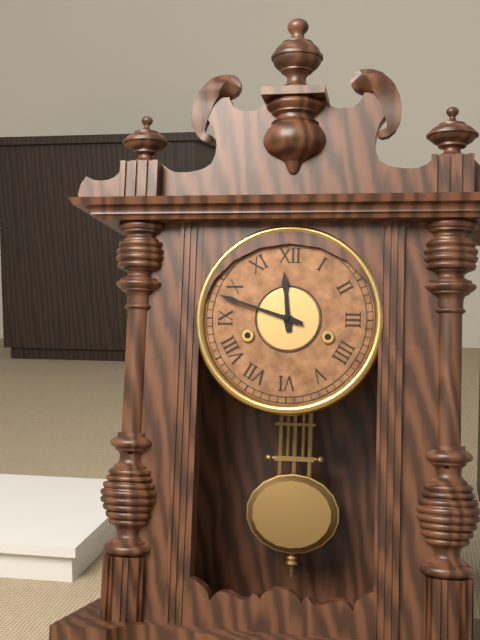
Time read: 11:48
